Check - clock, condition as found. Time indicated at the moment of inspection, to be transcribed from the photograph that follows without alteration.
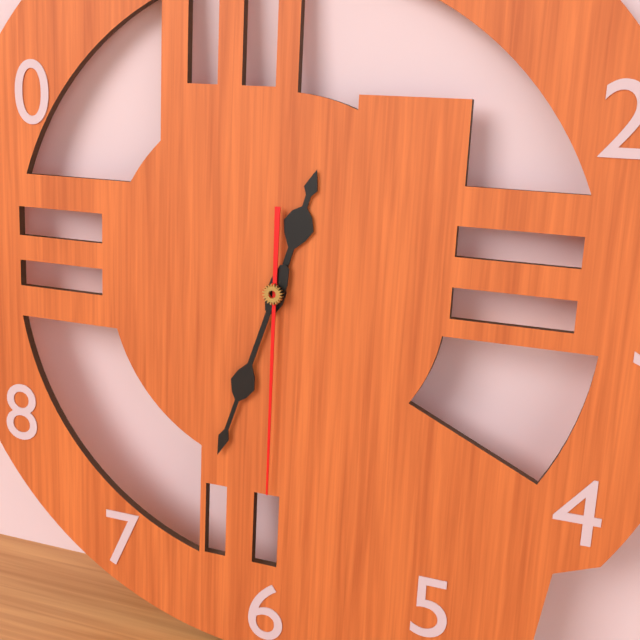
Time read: 12:33:30
